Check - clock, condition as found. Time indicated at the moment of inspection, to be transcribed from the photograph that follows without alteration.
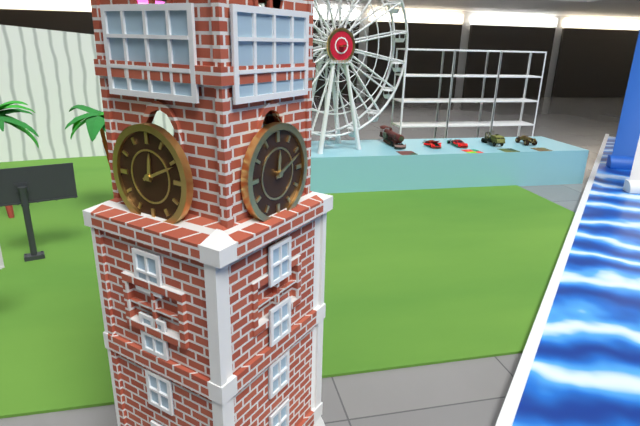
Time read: 12:11
